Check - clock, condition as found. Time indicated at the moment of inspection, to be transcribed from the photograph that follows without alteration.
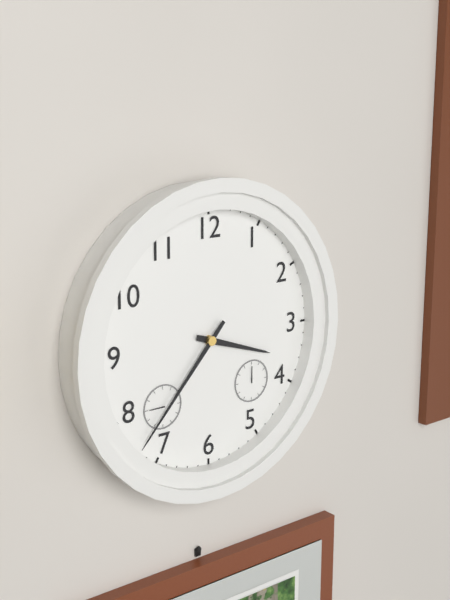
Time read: 3:37
